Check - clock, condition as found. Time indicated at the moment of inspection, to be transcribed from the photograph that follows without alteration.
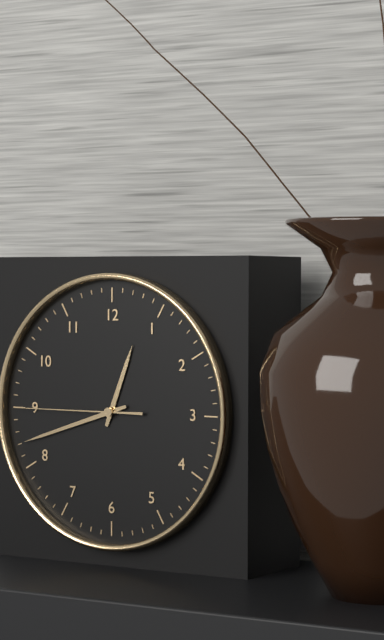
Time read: 12:42:45
